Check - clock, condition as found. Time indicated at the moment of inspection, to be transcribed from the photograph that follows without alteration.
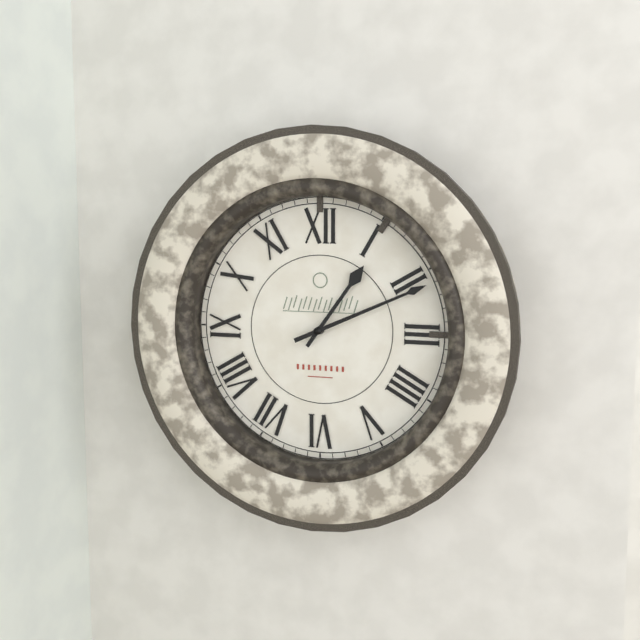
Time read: 1:11
